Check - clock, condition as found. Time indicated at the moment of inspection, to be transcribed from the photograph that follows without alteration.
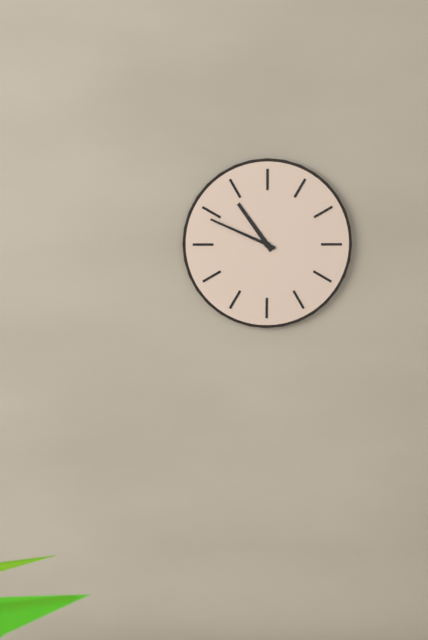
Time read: 10:49
